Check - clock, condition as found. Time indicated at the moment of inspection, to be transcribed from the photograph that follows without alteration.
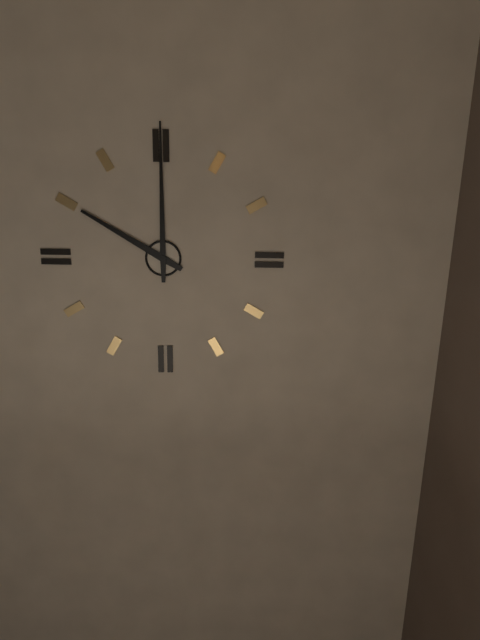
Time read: 10:00
